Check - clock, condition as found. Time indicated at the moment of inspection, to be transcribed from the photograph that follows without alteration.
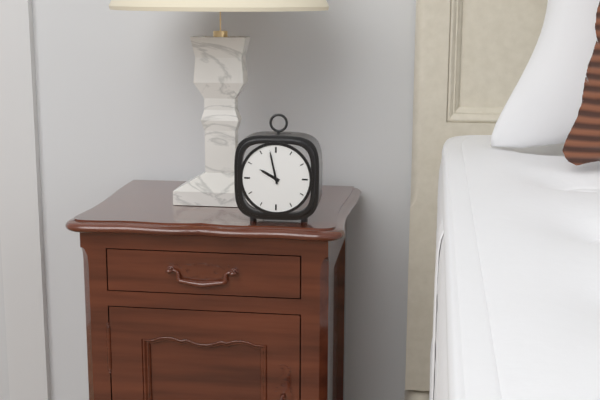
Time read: 9:58
